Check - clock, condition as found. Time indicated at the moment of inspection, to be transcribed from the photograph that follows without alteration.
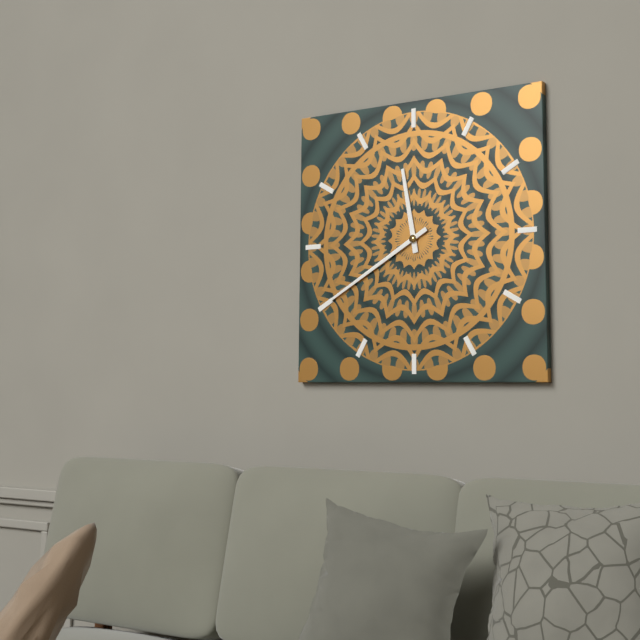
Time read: 11:40
